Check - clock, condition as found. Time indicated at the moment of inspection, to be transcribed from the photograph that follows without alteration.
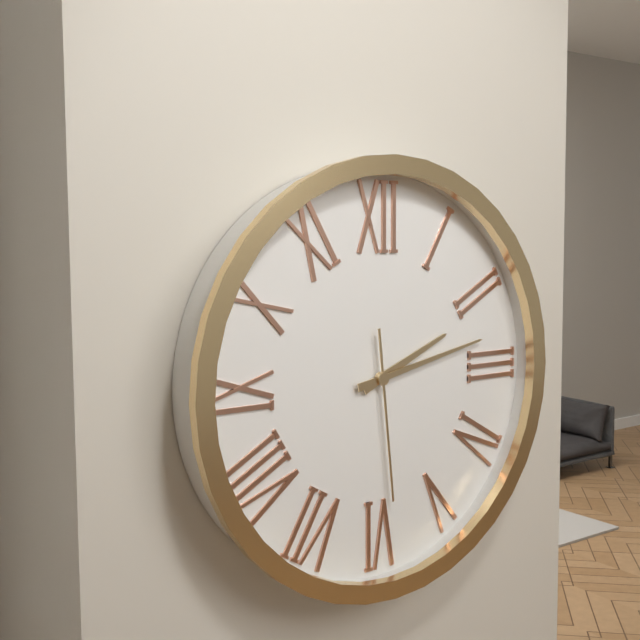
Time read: 2:13:29
